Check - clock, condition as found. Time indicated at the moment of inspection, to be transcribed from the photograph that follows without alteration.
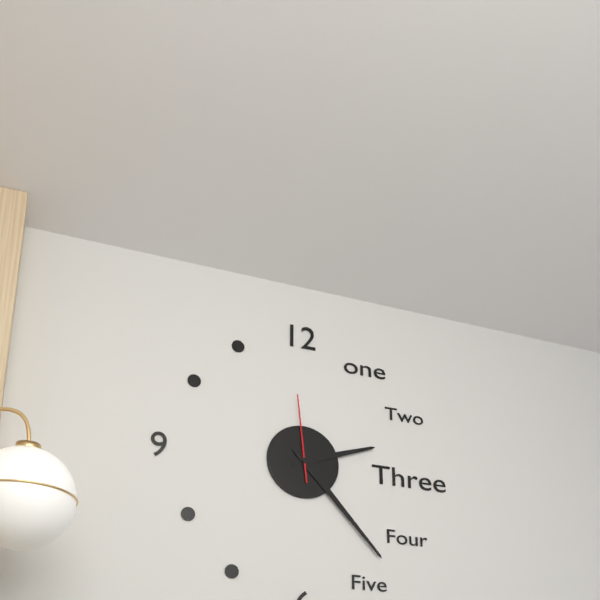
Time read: 2:23:59
